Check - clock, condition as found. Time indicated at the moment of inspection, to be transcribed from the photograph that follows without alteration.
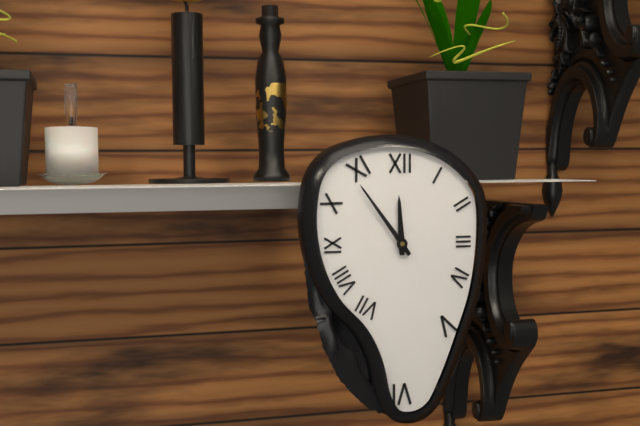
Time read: 11:54
